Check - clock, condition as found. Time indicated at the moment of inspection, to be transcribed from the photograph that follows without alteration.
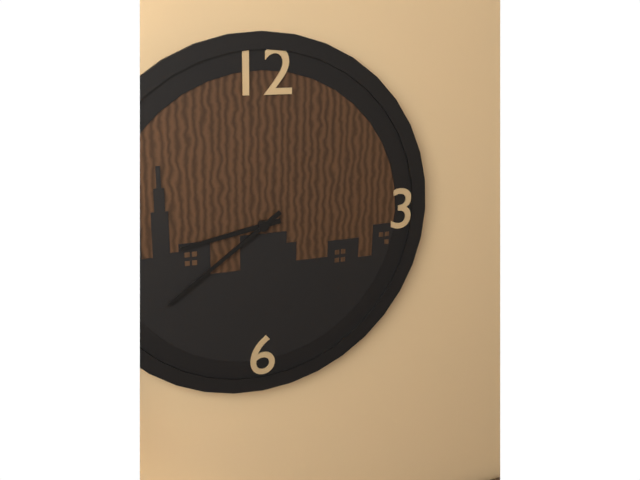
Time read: 8:39
